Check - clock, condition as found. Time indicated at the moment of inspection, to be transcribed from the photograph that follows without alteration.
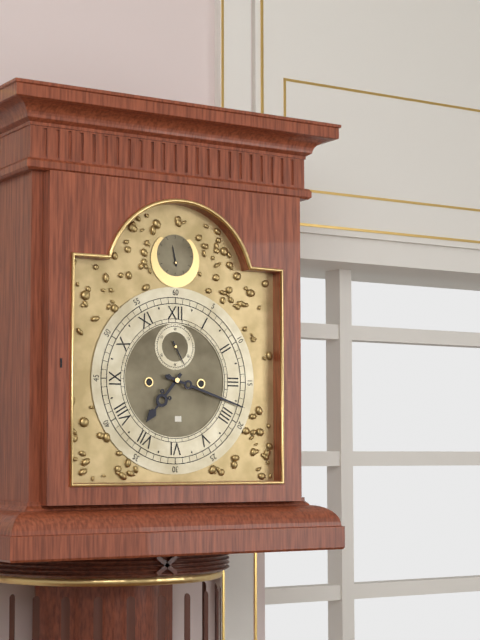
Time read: 7:18
